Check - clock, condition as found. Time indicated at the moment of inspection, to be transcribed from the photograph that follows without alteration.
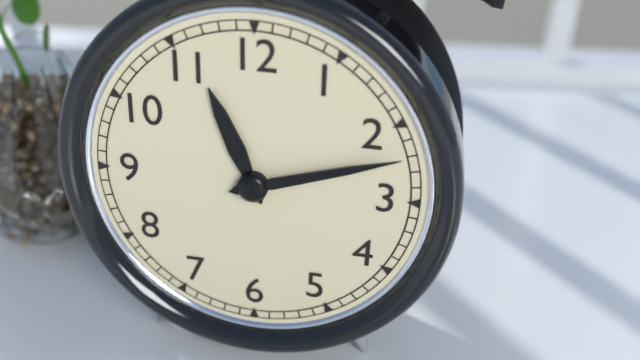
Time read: 11:12
